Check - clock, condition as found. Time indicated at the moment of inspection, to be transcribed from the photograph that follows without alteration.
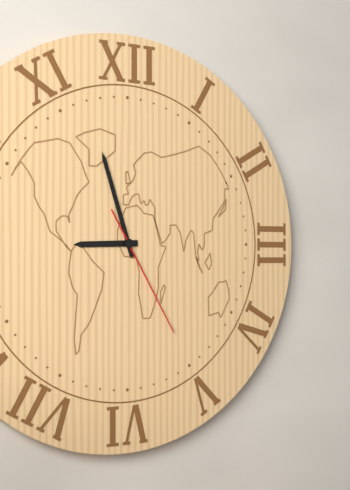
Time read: 8:57:25
